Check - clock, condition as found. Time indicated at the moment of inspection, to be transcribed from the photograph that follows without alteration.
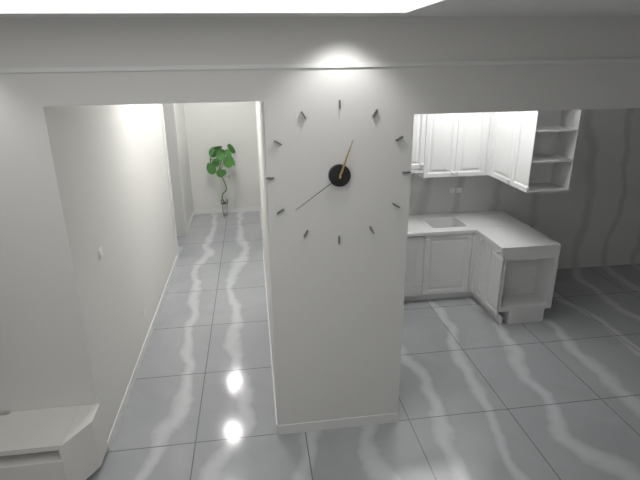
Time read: 12:39
